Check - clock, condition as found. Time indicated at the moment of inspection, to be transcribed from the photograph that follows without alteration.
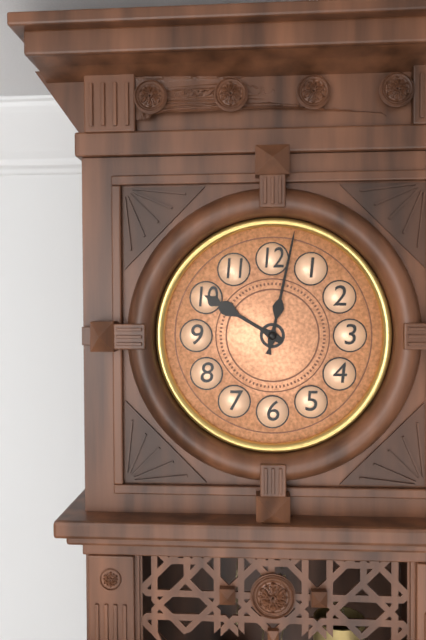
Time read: 10:02
